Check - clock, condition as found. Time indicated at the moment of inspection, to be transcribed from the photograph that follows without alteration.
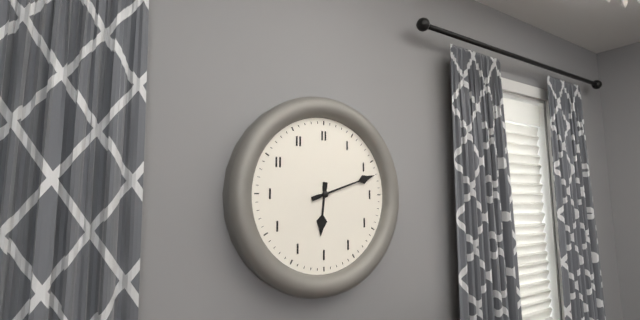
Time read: 6:12
